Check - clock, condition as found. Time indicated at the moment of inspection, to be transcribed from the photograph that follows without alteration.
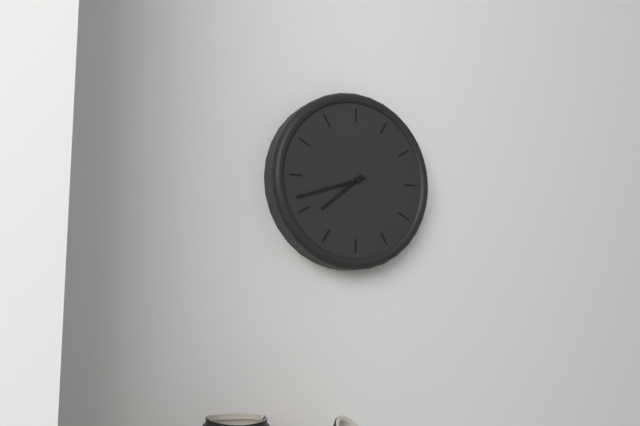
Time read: 7:42
